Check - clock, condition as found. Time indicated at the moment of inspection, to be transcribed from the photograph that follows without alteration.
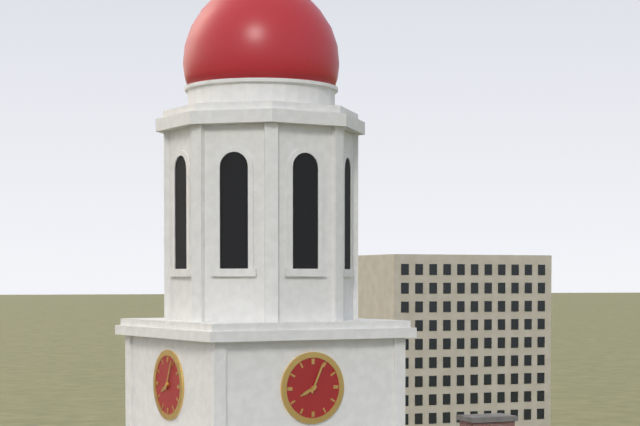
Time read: 8:04
